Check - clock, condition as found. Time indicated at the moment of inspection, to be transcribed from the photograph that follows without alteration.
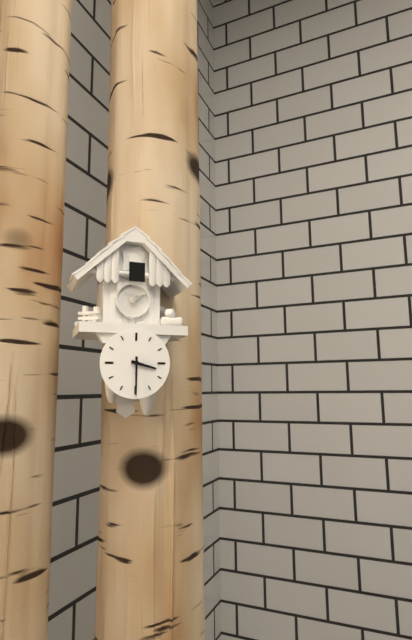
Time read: 3:30
